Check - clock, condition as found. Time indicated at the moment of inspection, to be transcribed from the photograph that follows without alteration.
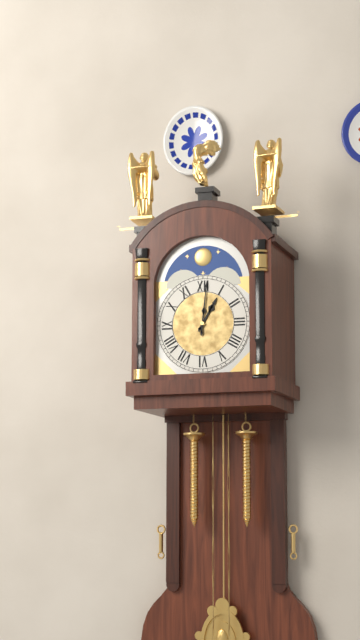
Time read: 1:01
